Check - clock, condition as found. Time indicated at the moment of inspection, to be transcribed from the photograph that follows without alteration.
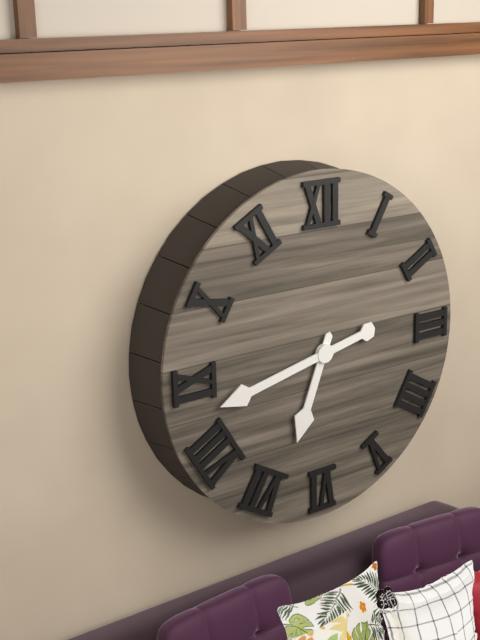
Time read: 6:43
